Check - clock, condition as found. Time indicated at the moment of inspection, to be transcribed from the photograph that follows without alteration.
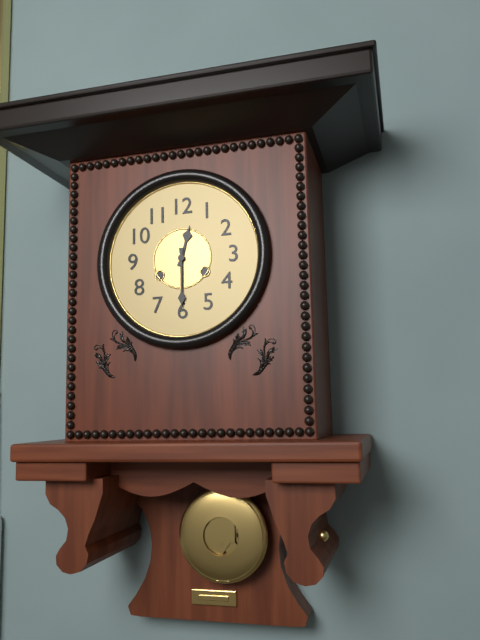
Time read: 12:30
